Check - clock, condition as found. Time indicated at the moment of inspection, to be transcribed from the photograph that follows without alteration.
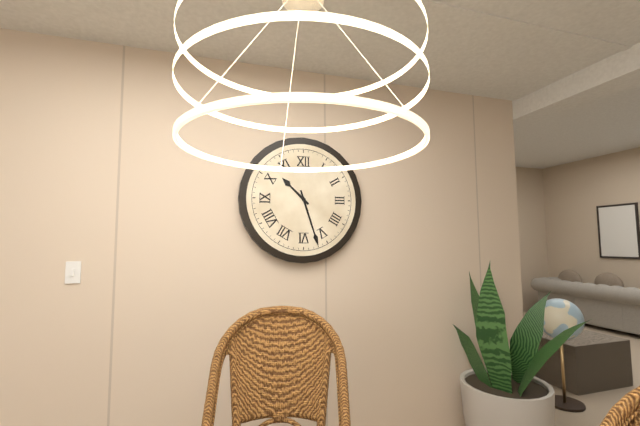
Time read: 10:27
